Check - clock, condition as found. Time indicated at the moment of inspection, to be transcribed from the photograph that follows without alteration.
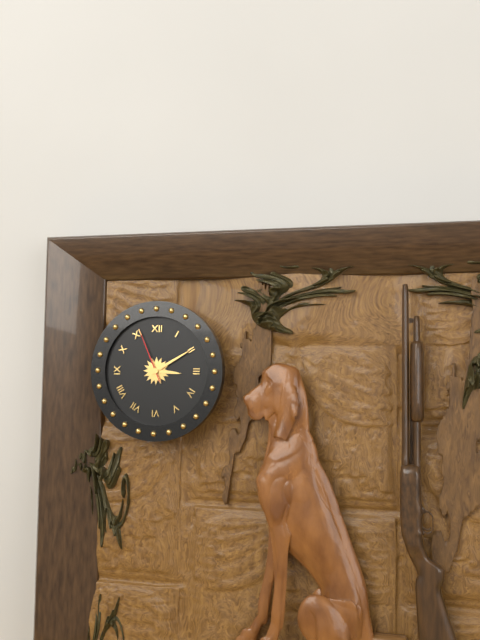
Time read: 3:10:56
